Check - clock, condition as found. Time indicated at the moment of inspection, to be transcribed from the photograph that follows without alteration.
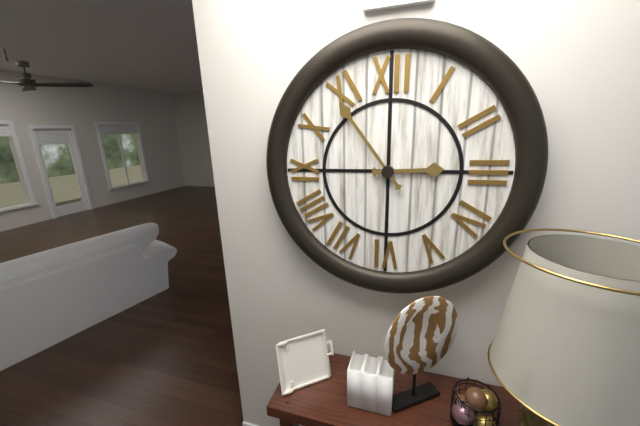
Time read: 2:54
